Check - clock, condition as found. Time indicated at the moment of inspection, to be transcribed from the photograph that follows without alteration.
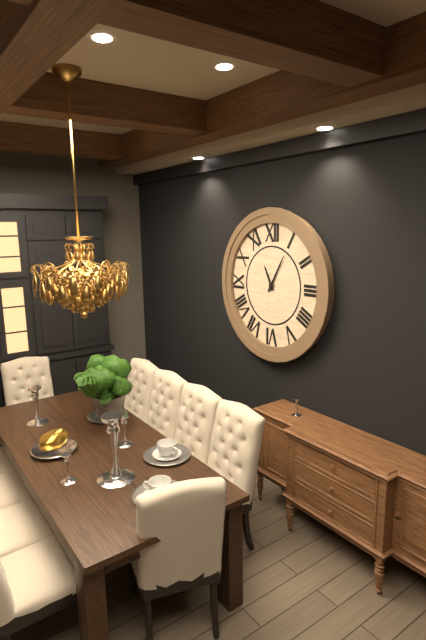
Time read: 11:05
